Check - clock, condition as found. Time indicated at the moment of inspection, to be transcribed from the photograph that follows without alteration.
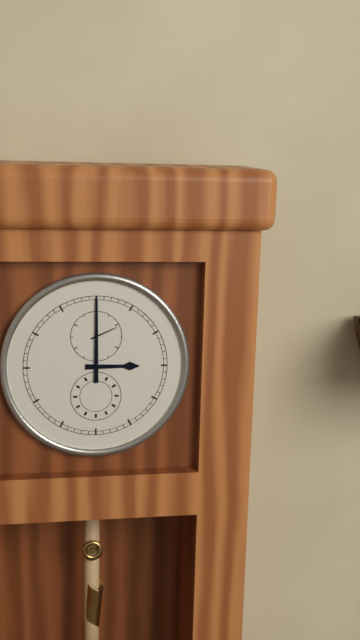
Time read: 3:00
